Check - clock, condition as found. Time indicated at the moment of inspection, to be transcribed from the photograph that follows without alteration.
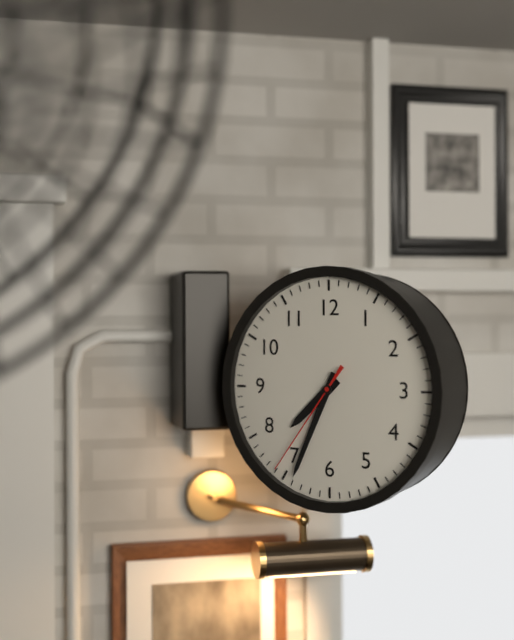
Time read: 7:34:36
